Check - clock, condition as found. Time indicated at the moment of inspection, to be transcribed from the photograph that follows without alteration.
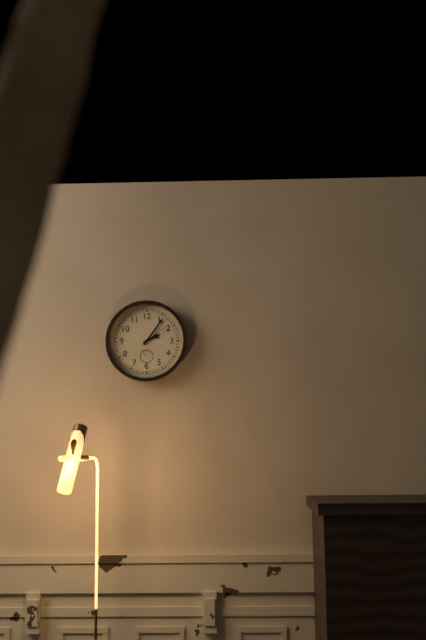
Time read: 2:06
